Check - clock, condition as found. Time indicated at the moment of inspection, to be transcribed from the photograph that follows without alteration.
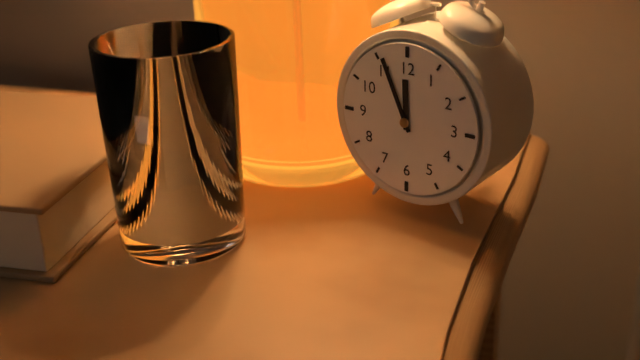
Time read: 11:56
